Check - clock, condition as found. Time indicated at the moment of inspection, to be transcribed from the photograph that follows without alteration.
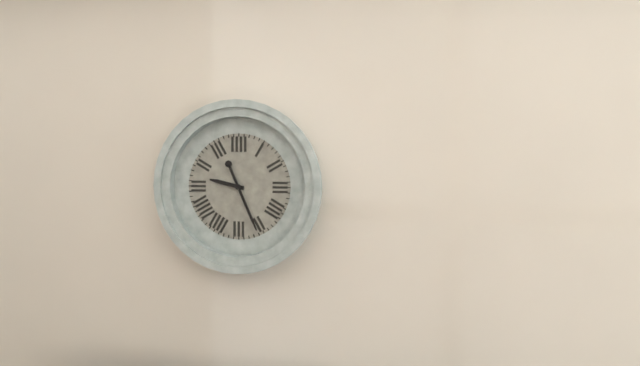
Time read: 9:26
